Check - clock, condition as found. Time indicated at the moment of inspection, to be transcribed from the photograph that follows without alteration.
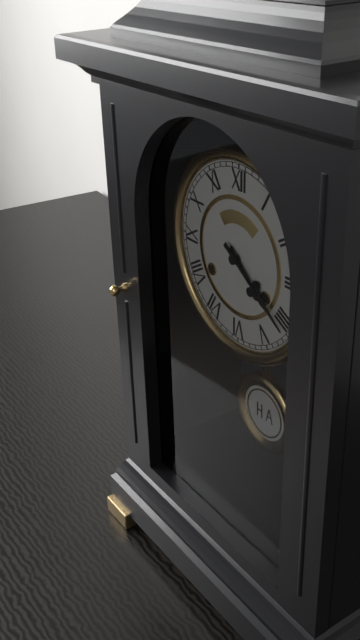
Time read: 4:21
